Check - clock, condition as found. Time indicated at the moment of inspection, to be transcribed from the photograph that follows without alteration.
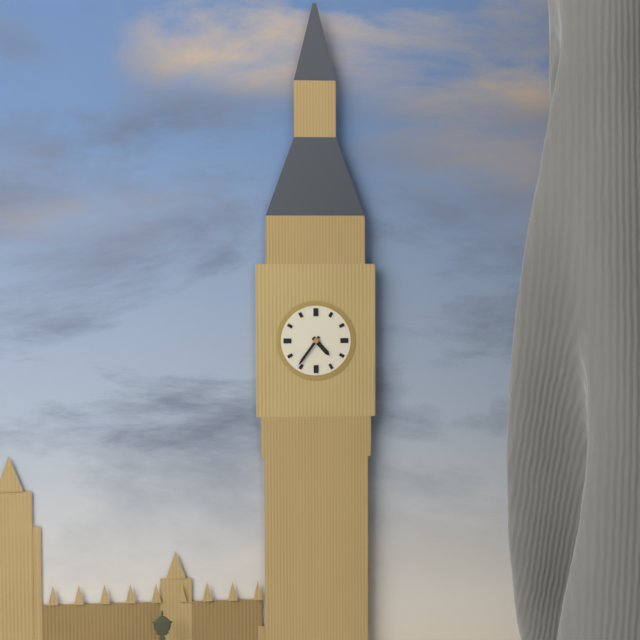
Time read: 4:36
